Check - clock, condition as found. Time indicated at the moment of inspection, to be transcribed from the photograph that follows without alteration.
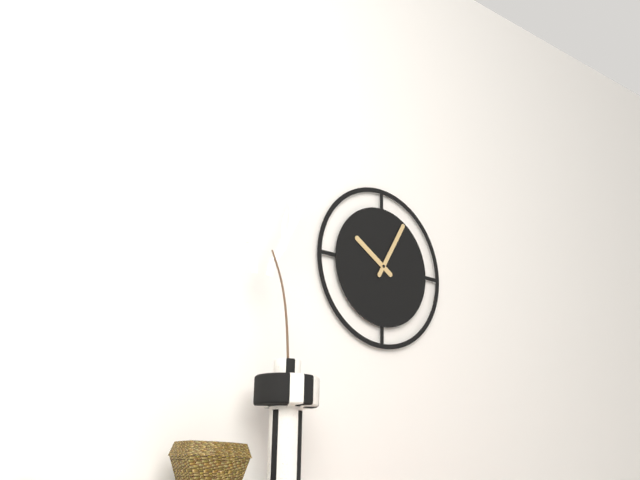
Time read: 10:05
